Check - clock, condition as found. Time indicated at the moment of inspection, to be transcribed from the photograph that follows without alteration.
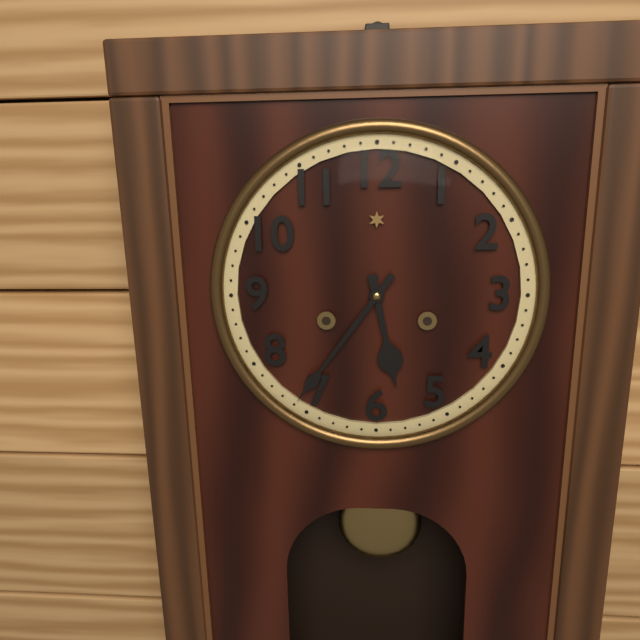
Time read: 5:36
